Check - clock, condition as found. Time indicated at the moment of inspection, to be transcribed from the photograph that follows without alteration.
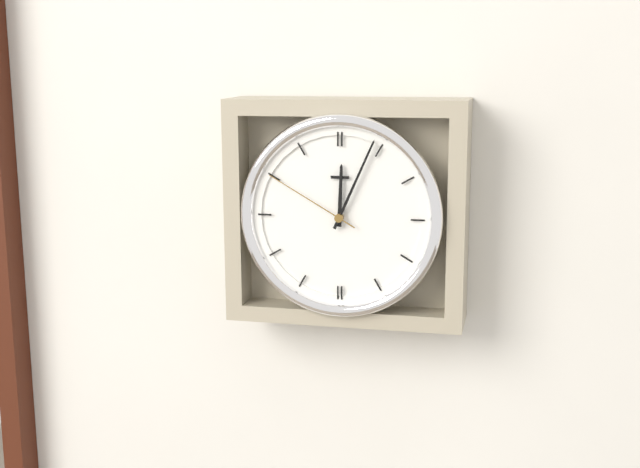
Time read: 12:04:50
